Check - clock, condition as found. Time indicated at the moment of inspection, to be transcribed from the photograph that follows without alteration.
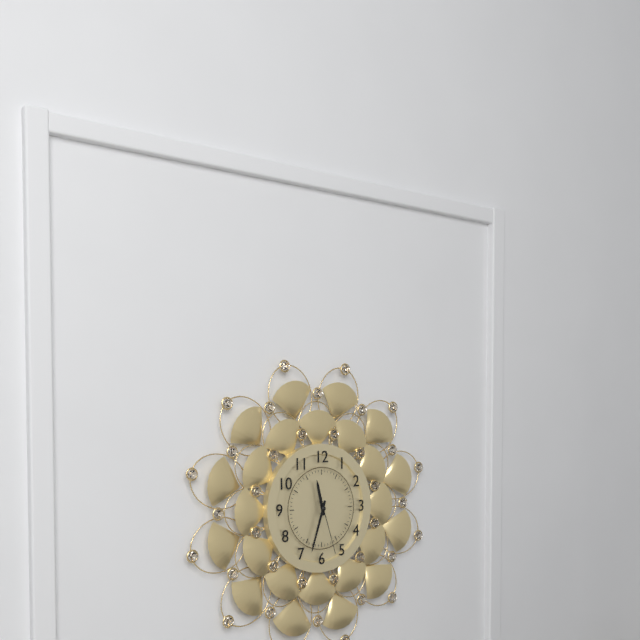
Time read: 11:33:27
